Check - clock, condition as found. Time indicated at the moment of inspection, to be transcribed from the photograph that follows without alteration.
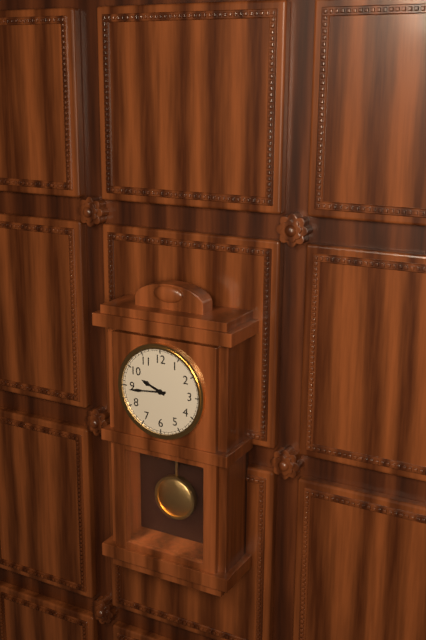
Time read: 9:44
